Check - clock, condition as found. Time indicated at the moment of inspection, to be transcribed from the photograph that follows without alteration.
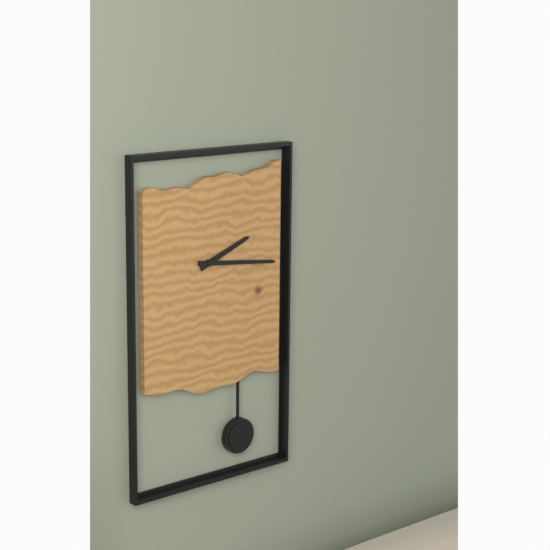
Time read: 2:16
